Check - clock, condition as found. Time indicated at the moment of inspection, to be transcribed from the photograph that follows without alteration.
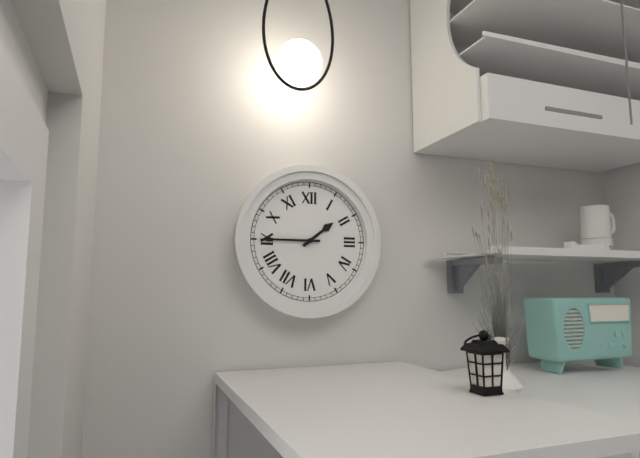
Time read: 1:45
